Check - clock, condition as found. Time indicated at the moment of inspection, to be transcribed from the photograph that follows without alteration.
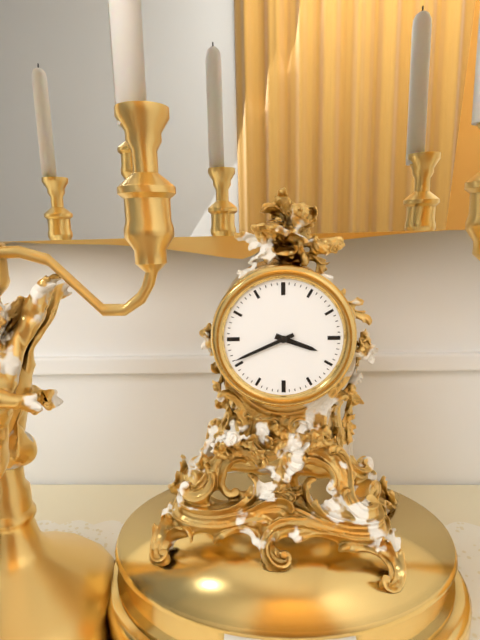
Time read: 3:41
